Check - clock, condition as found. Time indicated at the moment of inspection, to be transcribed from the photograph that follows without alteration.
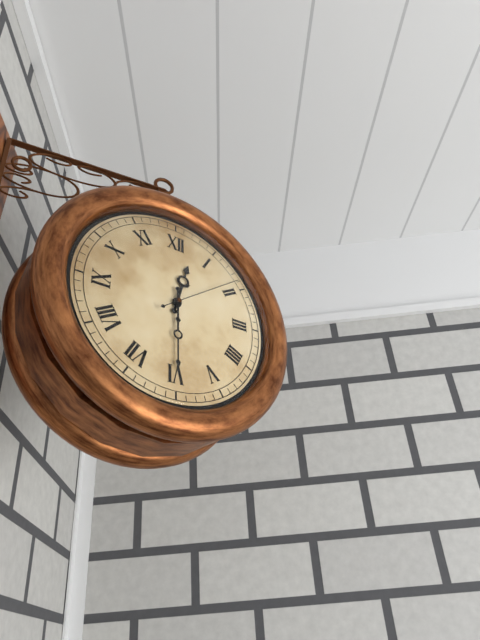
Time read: 12:30:09
